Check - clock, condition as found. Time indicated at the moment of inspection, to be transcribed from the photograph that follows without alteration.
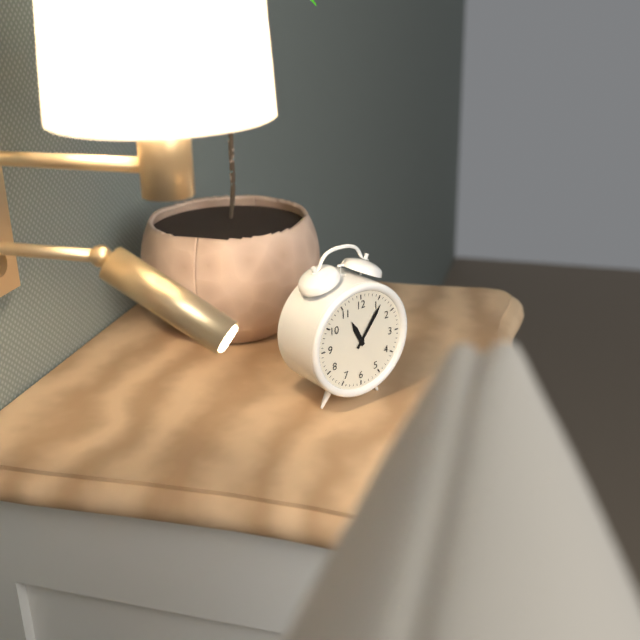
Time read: 11:06
